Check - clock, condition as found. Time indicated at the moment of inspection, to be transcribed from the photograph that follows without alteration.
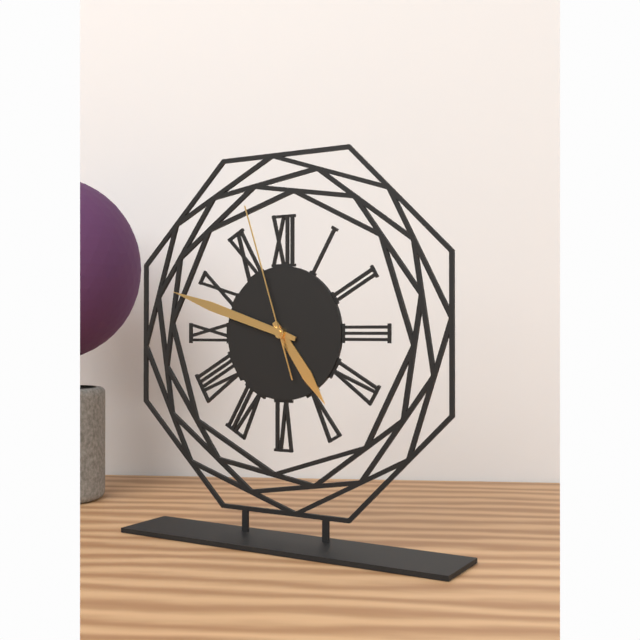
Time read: 4:48:57
